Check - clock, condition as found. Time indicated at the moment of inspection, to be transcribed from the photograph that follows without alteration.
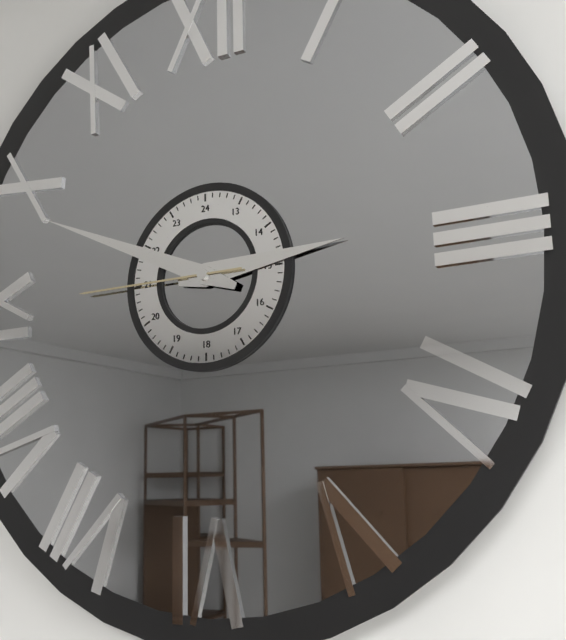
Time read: 2:49:45
